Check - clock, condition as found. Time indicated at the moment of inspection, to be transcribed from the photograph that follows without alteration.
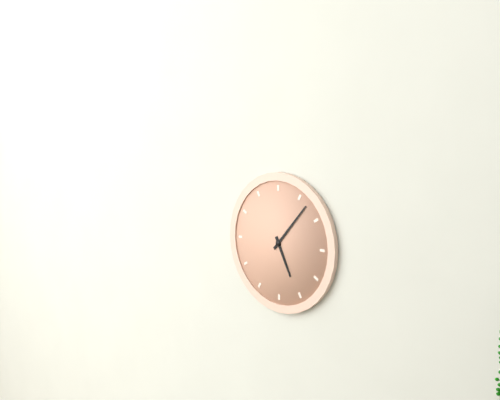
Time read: 5:07
